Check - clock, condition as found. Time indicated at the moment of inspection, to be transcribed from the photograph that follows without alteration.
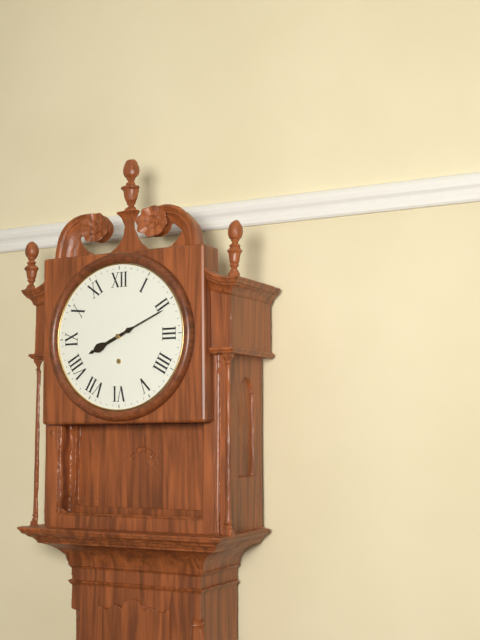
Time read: 8:11
